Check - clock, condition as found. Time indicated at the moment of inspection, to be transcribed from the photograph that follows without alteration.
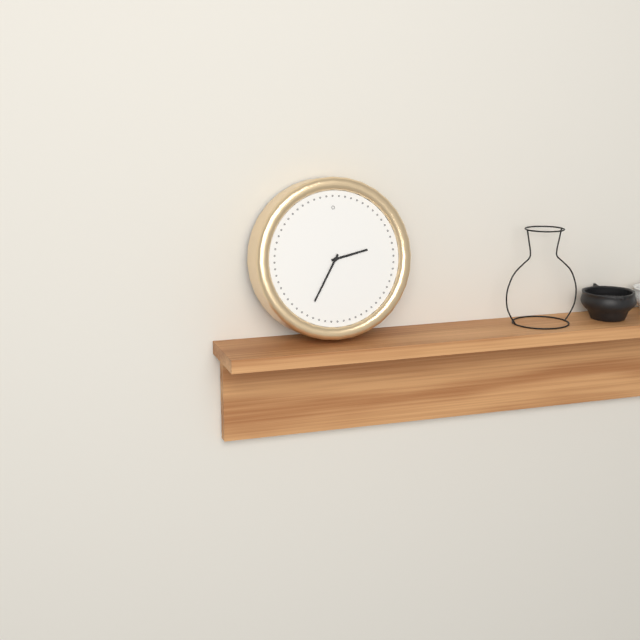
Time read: 2:35
